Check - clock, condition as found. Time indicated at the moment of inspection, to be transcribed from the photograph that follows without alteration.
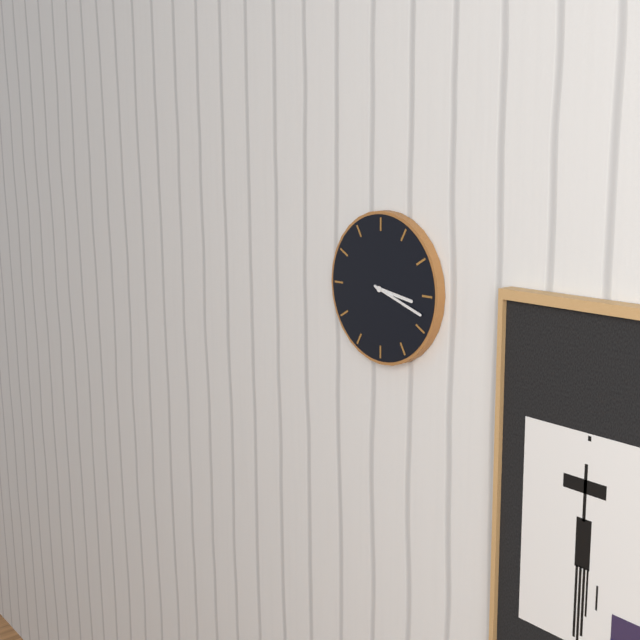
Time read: 3:18
